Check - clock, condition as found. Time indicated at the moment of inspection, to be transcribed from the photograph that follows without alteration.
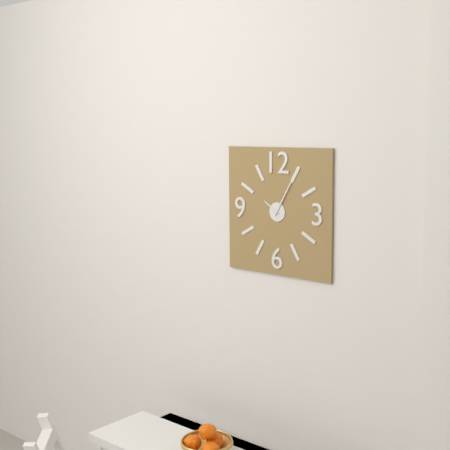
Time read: 10:05
